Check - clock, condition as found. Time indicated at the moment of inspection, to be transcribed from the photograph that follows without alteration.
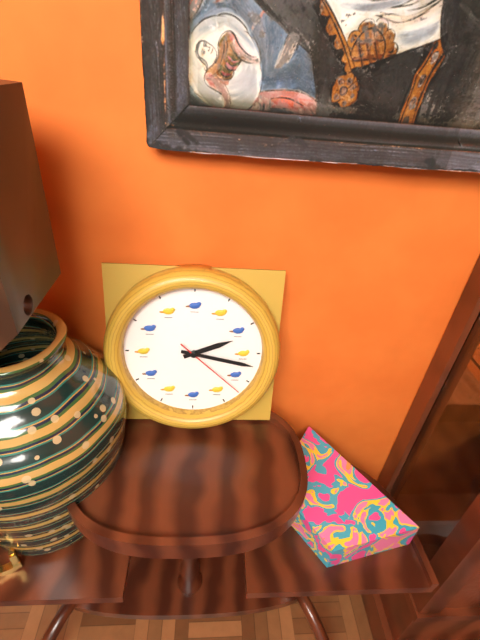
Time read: 2:17:22
